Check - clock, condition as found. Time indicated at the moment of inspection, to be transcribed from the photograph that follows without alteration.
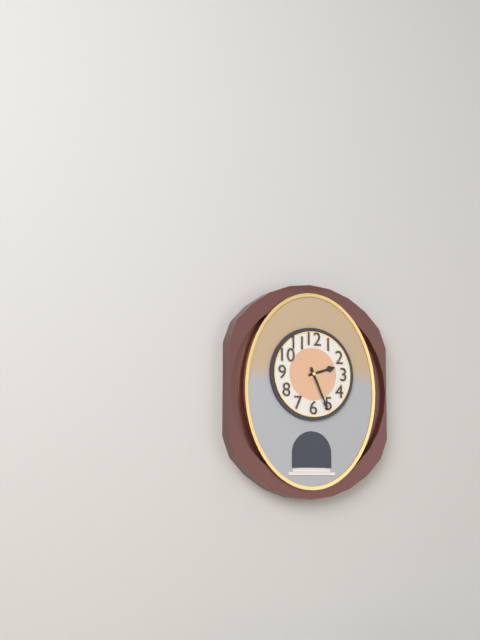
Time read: 2:26
